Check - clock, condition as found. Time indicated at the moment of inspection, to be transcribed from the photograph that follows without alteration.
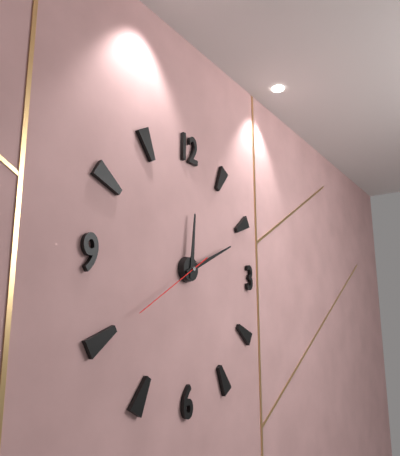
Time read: 12:11:40
